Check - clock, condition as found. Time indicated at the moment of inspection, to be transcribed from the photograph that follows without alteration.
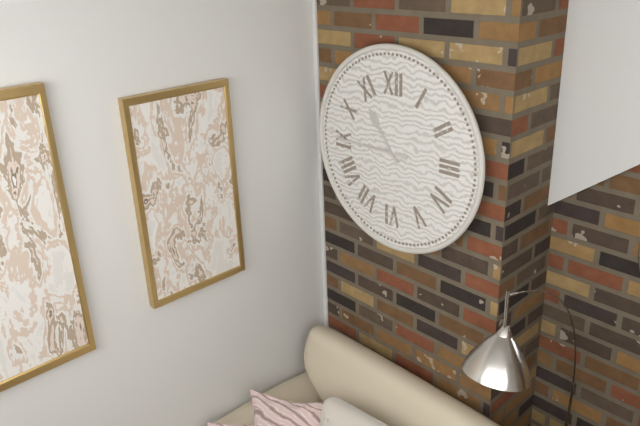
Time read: 10:45
